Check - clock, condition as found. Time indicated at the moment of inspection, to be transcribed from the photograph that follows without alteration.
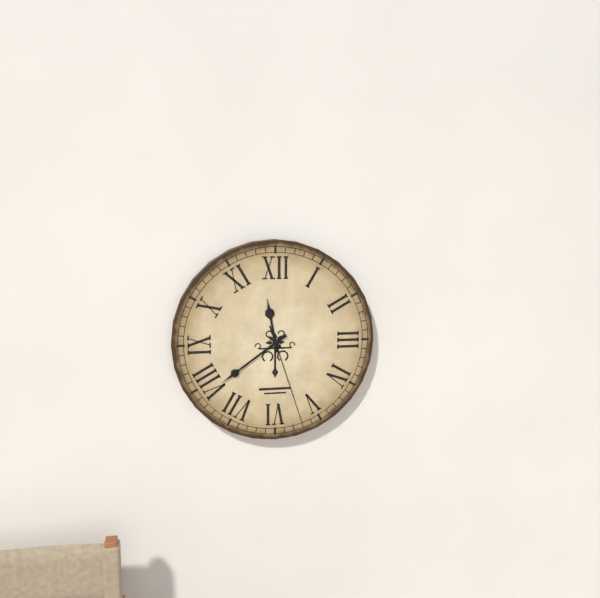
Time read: 11:39:27
